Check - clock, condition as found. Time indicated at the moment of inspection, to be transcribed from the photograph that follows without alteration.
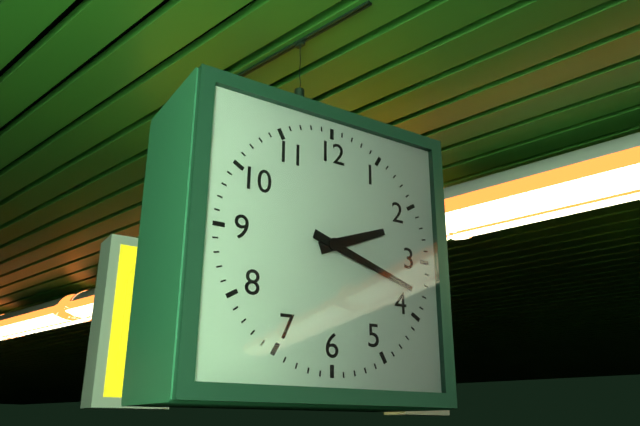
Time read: 2:18
